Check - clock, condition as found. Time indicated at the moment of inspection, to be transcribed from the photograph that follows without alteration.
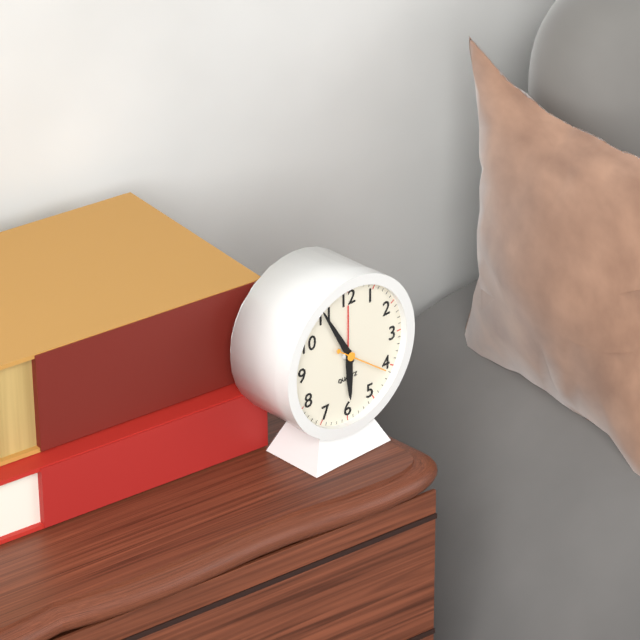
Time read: 5:55
